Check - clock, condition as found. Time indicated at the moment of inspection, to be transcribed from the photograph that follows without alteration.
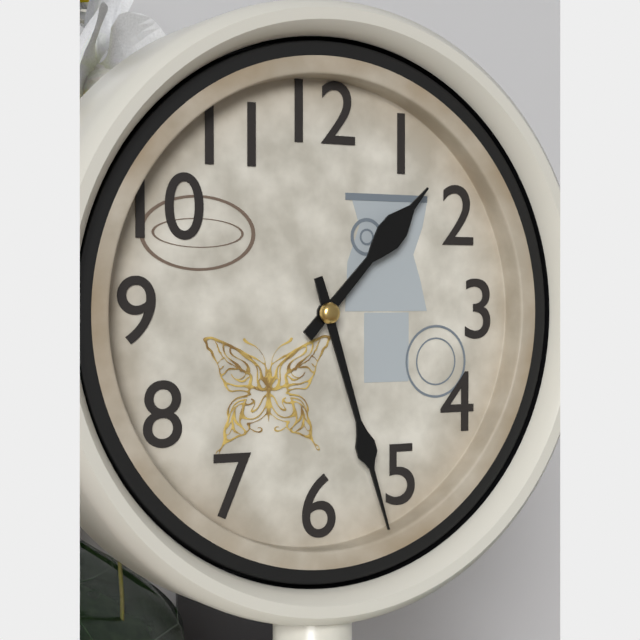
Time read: 1:27
